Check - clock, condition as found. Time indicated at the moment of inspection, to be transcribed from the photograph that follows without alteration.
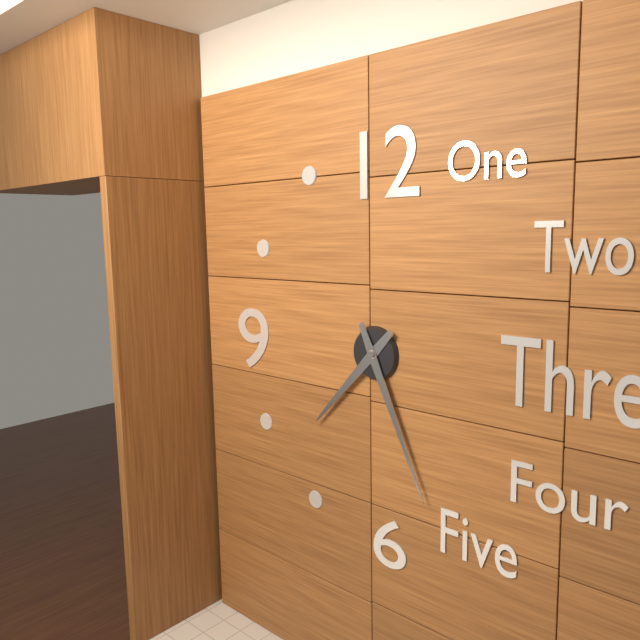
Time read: 7:26
